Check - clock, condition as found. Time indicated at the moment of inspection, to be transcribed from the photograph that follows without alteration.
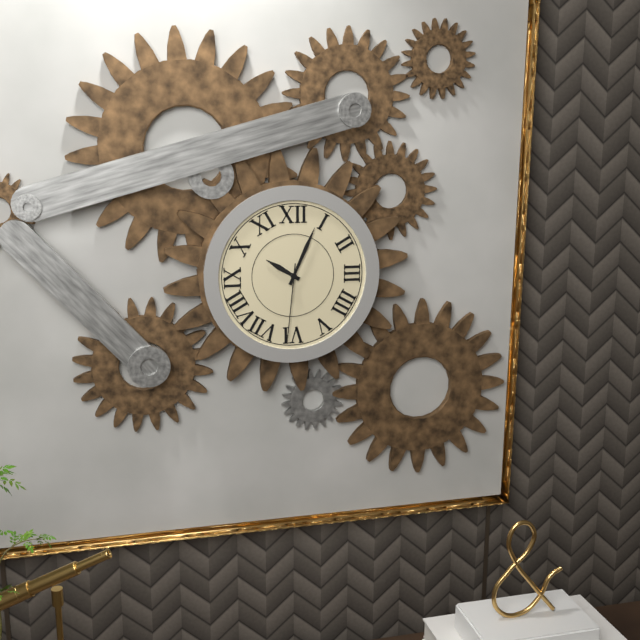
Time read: 10:04:31
